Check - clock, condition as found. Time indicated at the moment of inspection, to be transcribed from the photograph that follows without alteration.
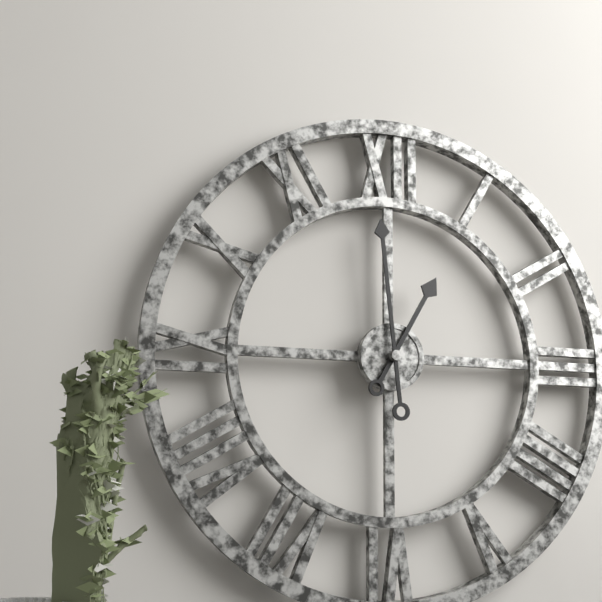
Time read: 12:59
